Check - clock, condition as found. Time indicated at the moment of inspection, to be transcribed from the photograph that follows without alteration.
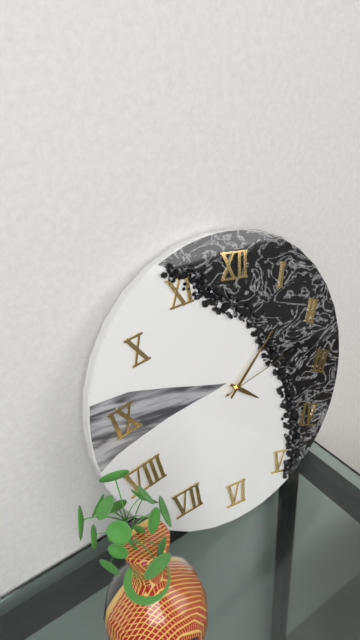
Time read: 4:07:12
